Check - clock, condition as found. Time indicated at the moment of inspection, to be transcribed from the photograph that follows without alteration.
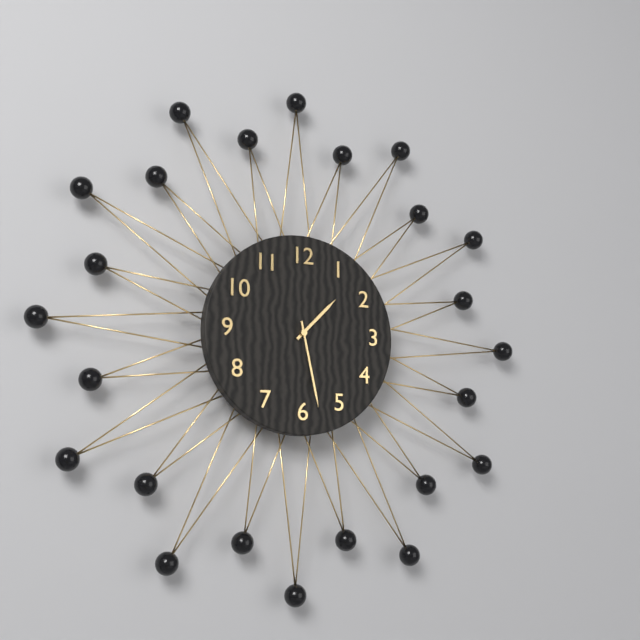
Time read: 1:28
